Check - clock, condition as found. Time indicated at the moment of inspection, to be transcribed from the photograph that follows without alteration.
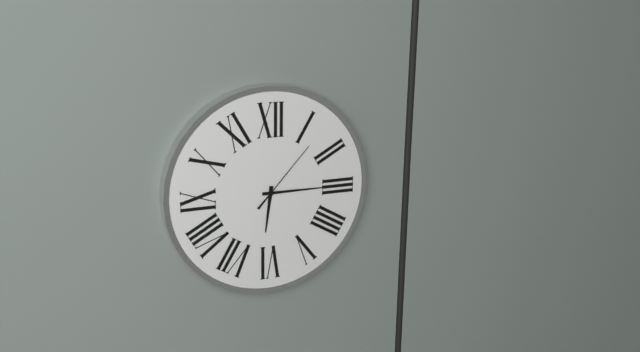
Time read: 6:15:07
